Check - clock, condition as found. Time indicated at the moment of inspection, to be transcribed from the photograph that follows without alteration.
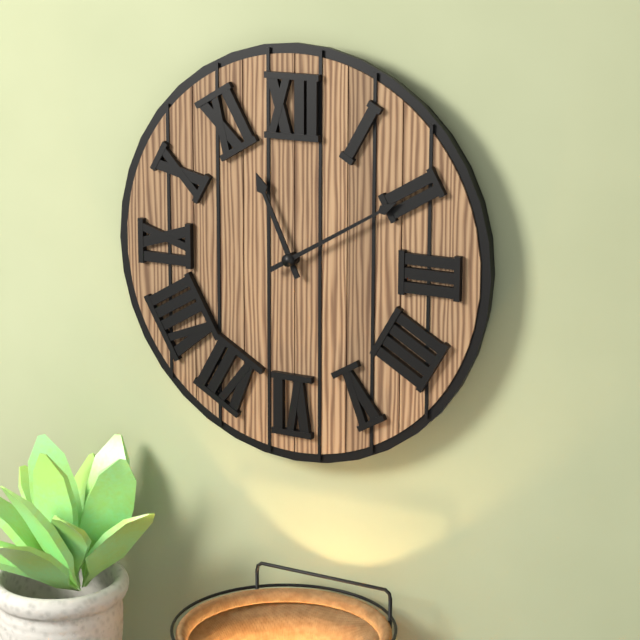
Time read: 11:10
